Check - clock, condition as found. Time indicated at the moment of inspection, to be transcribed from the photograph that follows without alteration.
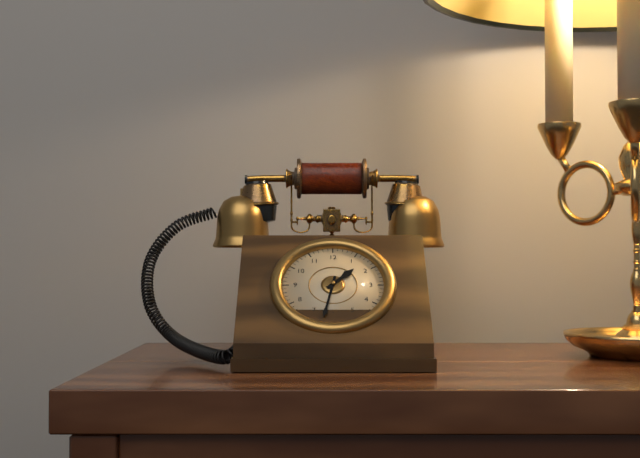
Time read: 1:32
